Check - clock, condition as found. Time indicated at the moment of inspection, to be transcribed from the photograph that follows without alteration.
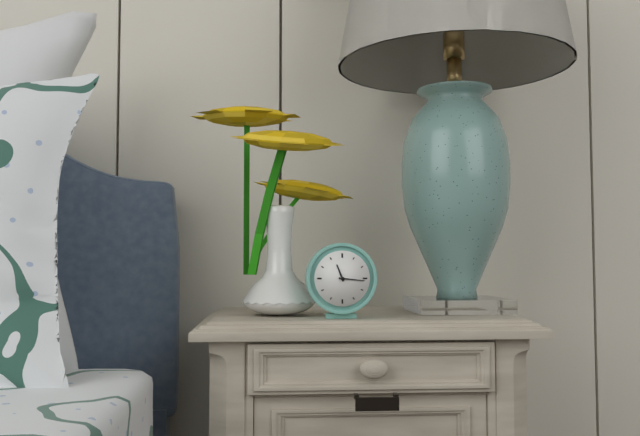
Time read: 11:16
